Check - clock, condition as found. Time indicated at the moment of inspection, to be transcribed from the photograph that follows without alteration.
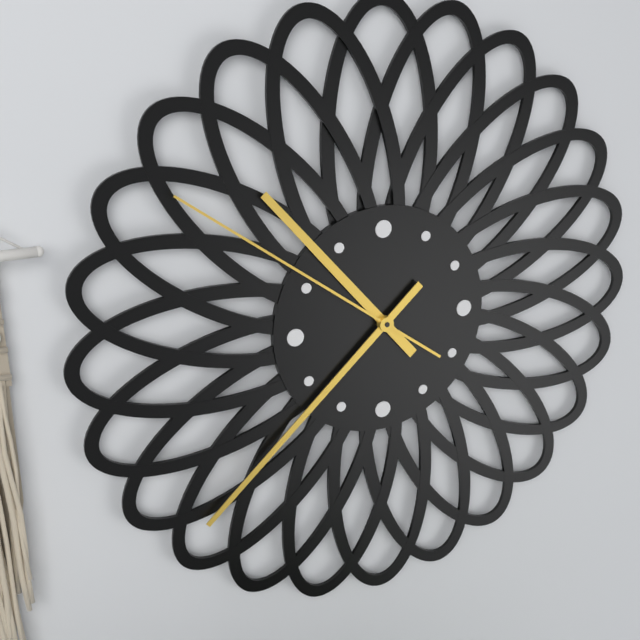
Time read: 10:38:51
